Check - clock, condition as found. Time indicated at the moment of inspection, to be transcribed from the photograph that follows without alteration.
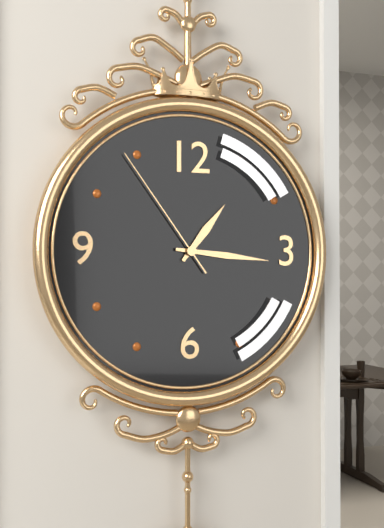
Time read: 1:16:54
